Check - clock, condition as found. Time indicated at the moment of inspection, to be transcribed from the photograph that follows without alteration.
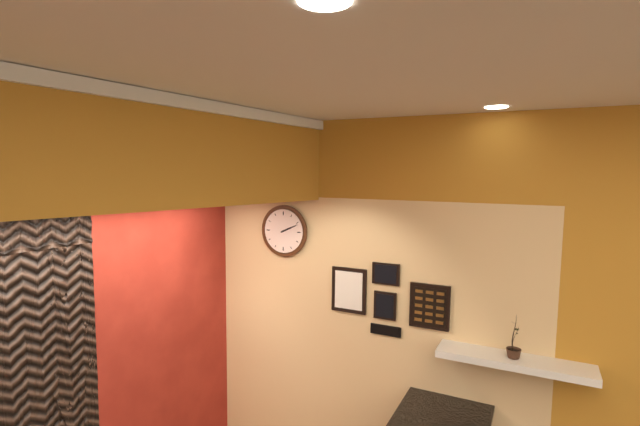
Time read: 2:11
